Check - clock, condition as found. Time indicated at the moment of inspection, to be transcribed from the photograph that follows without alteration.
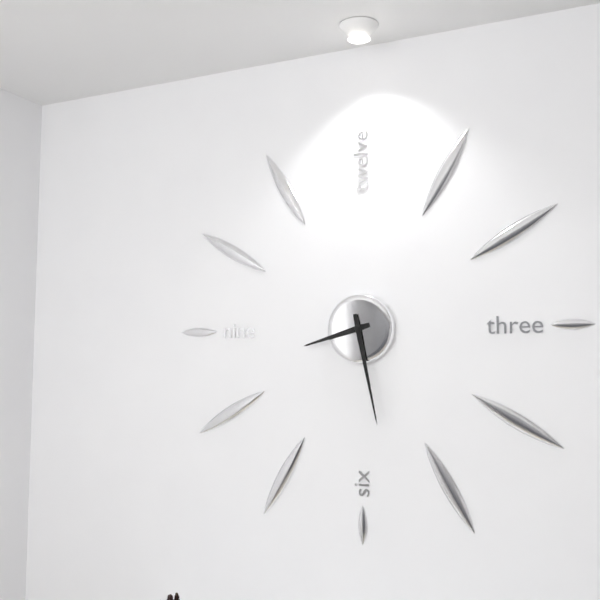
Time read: 8:28
